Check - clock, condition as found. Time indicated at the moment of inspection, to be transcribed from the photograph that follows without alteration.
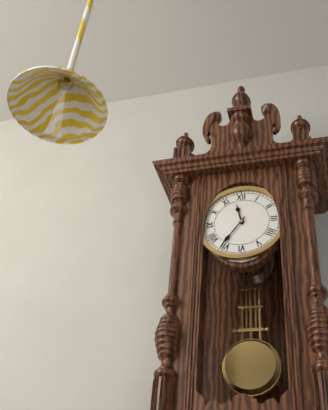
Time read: 11:36
